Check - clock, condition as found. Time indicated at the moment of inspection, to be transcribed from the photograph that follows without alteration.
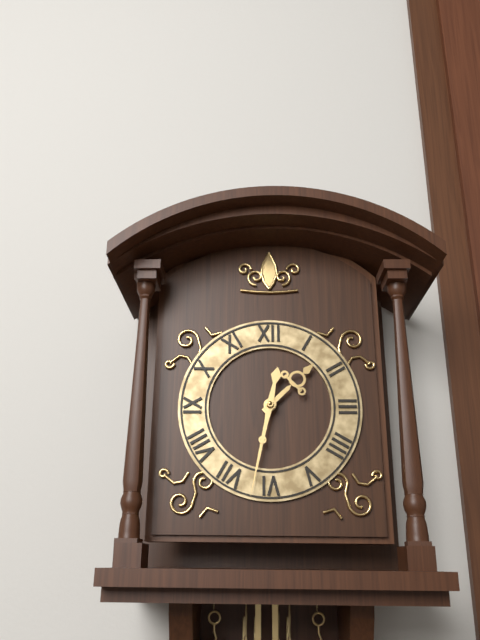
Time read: 1:32
